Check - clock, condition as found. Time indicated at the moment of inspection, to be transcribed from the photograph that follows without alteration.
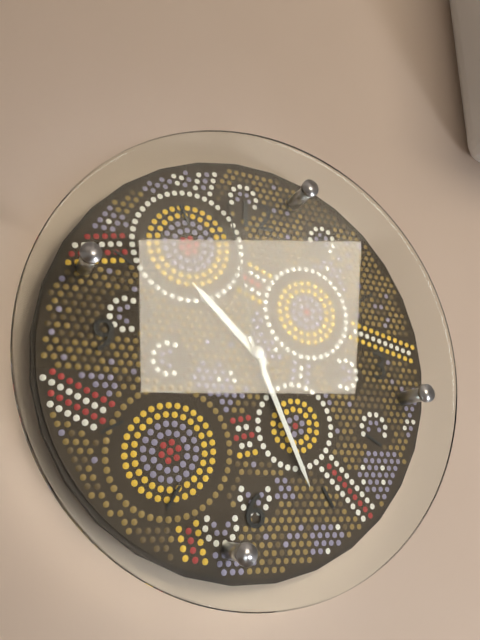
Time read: 10:26:58
